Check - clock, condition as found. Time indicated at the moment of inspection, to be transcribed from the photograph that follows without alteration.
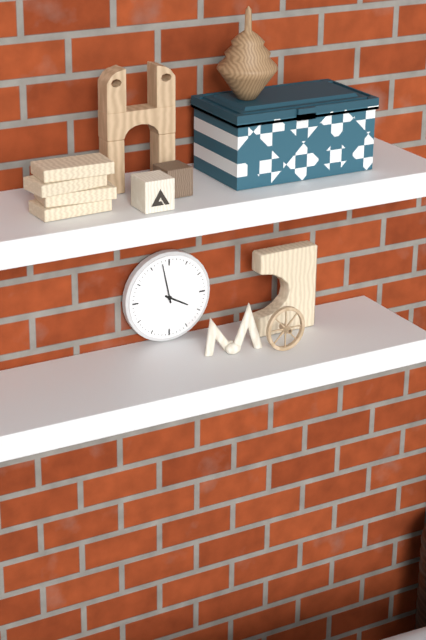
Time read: 3:58
